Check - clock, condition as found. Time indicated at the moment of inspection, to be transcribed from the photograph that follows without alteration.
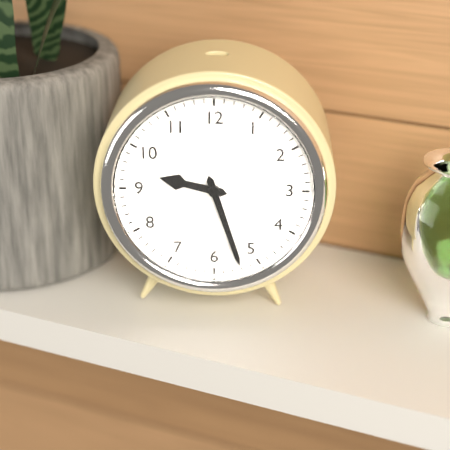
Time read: 9:27
